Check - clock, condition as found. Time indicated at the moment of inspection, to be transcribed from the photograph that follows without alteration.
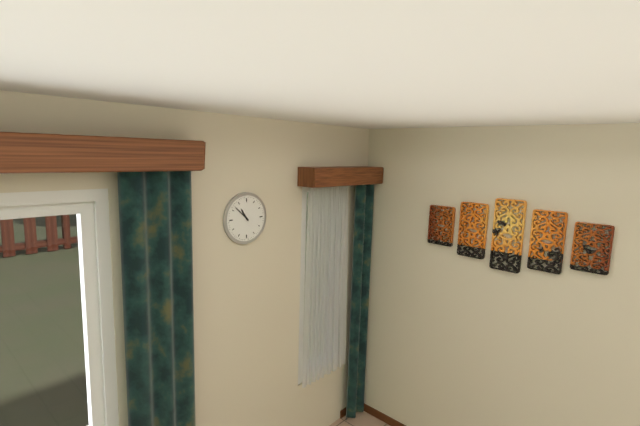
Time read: 10:52
